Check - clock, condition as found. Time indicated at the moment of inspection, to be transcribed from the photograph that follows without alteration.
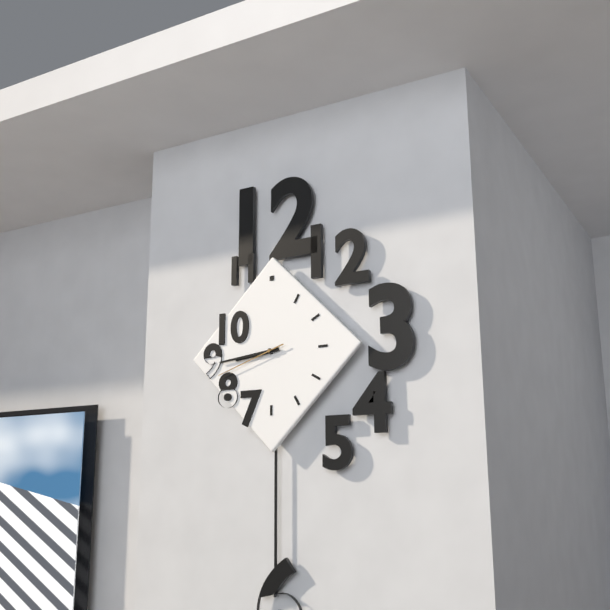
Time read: 8:44:42
